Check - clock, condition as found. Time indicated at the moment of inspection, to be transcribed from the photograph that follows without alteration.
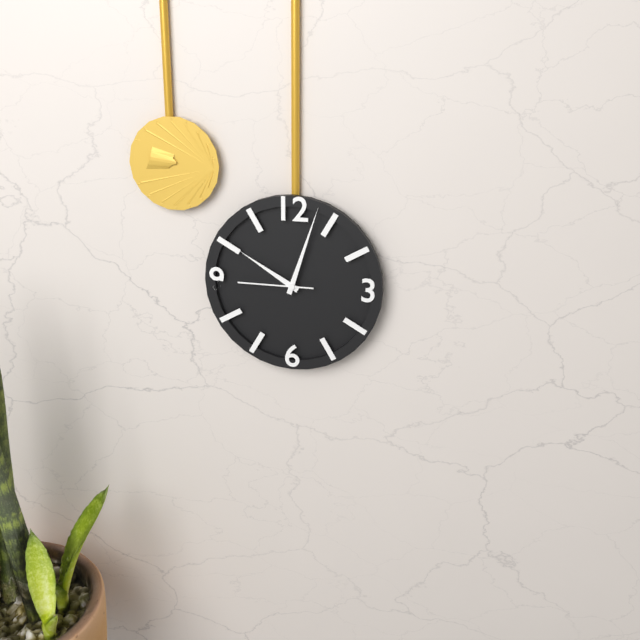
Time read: 10:03:45
